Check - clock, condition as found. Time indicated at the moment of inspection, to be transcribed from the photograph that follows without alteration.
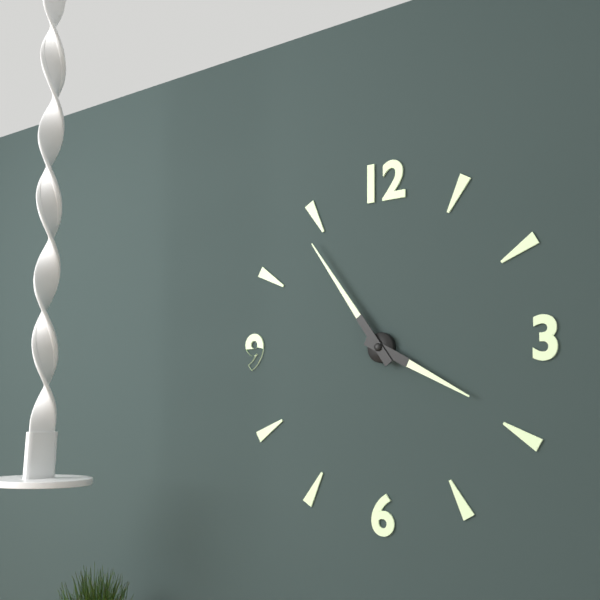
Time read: 3:54
